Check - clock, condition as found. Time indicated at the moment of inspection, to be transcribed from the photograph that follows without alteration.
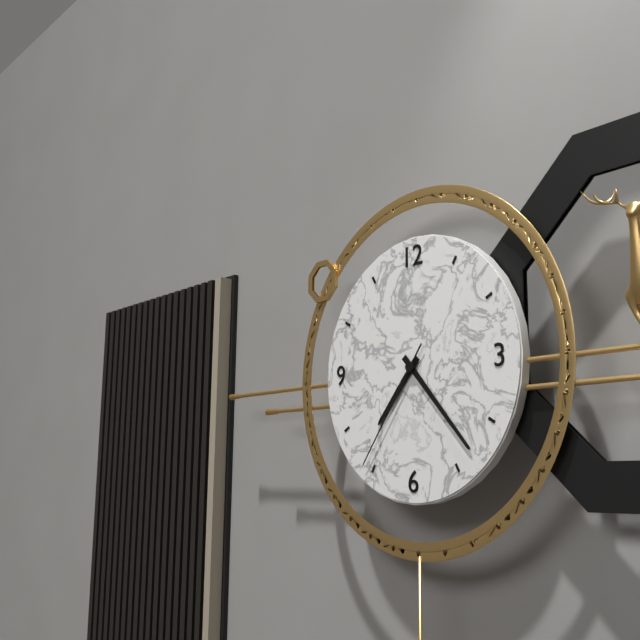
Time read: 7:23:36
